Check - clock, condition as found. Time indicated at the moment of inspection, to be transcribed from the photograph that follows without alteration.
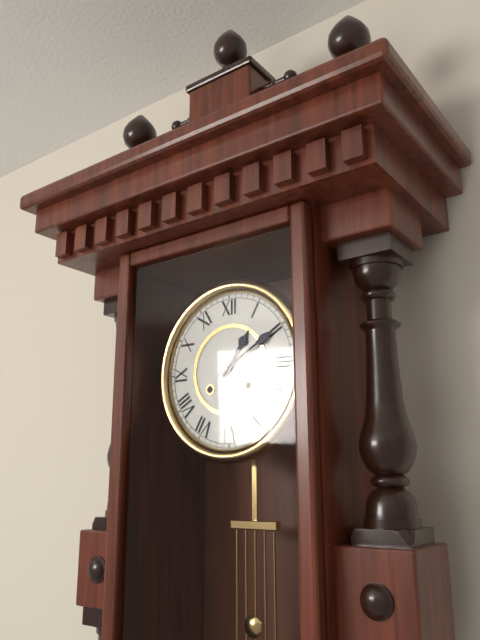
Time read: 1:10
